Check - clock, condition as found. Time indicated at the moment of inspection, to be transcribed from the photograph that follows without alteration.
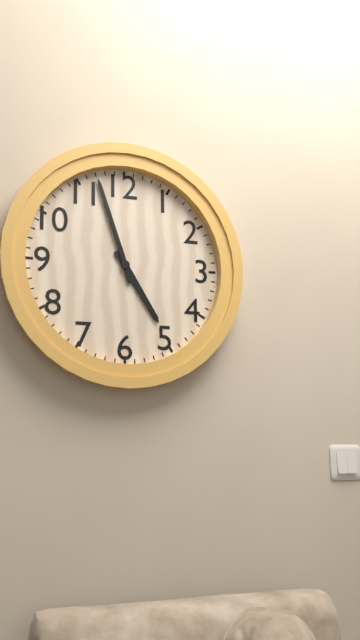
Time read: 4:57
